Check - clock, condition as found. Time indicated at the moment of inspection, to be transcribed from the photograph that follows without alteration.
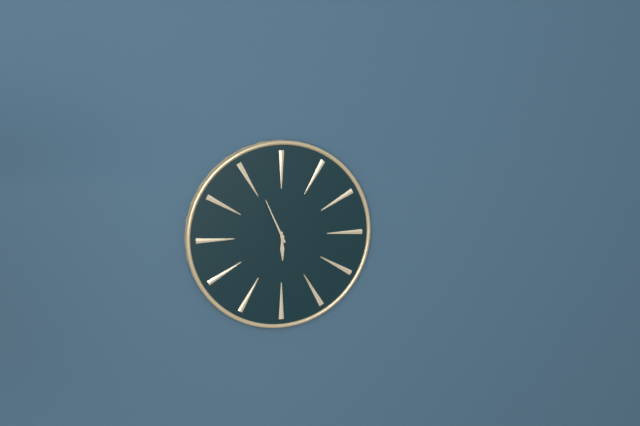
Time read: 5:56
